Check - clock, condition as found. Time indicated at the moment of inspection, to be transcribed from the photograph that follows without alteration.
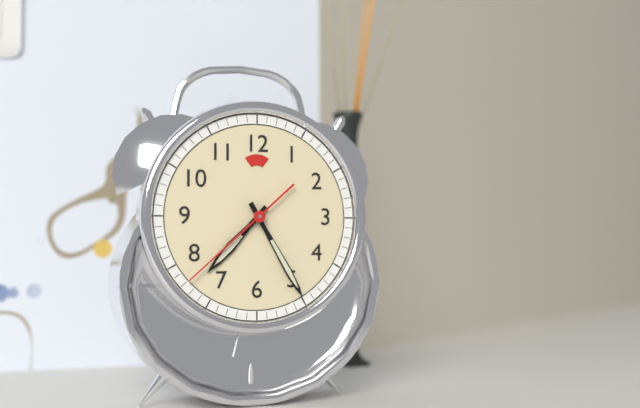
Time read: 7:25:38
